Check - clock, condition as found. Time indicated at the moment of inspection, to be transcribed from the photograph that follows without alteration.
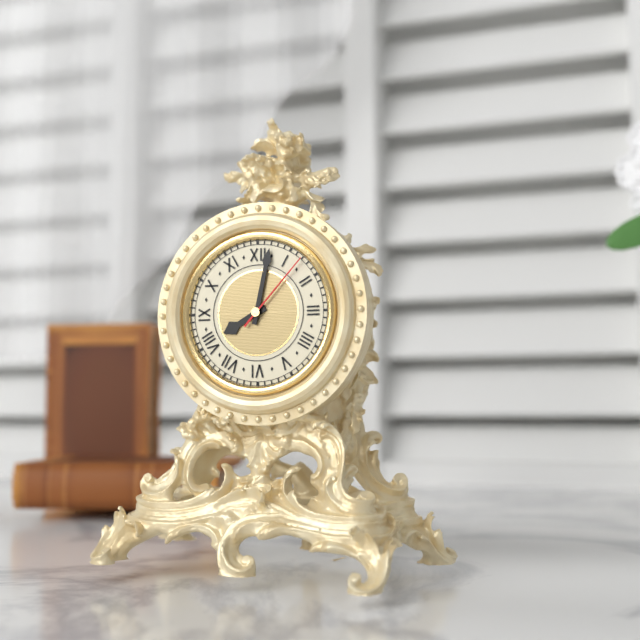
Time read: 8:02:07
